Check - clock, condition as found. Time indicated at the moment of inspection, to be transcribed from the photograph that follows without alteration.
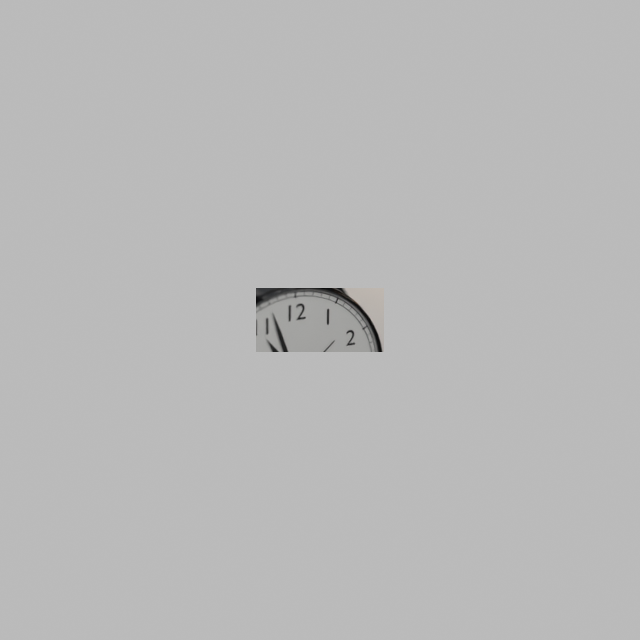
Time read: 10:57:08
